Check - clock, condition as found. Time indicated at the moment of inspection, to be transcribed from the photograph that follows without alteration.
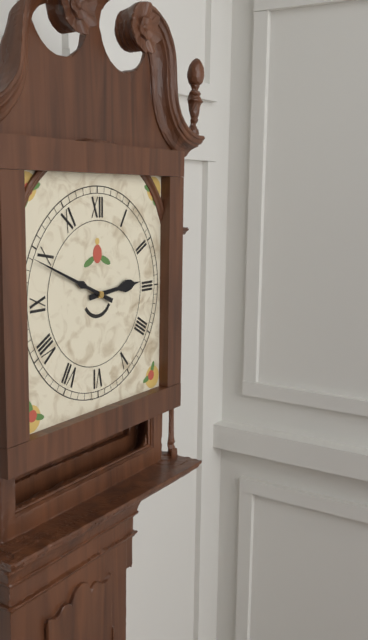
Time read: 2:49
